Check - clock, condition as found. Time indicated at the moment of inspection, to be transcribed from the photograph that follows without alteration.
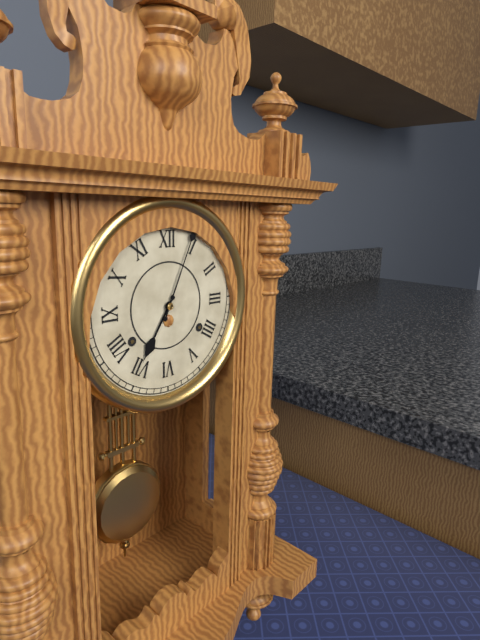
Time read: 7:04
